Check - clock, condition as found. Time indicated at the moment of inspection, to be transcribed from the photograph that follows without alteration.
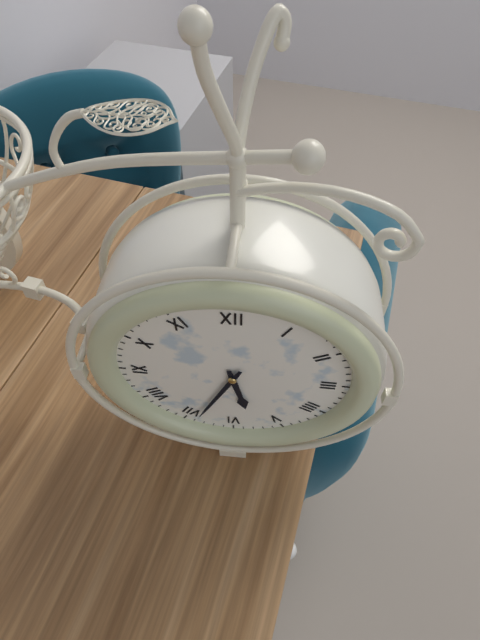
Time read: 5:34
